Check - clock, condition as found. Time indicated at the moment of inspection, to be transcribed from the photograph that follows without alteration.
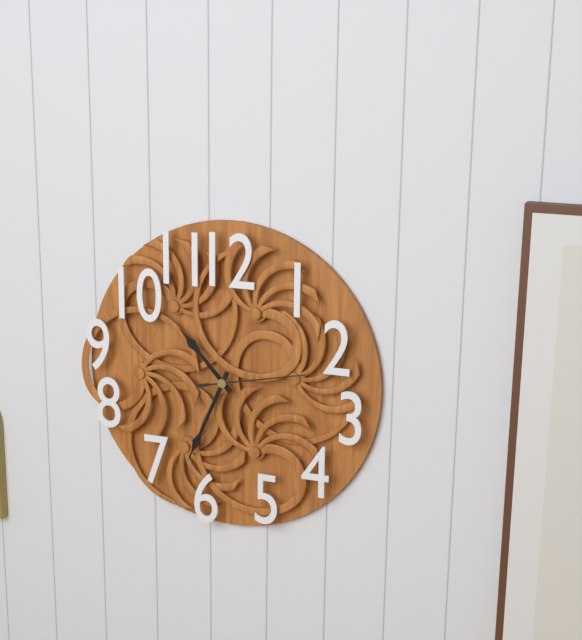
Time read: 10:34:13
